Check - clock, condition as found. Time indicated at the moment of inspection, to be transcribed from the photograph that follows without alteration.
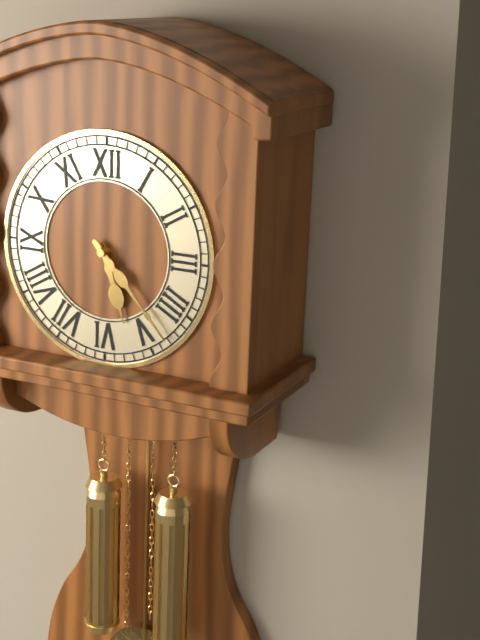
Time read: 5:23
